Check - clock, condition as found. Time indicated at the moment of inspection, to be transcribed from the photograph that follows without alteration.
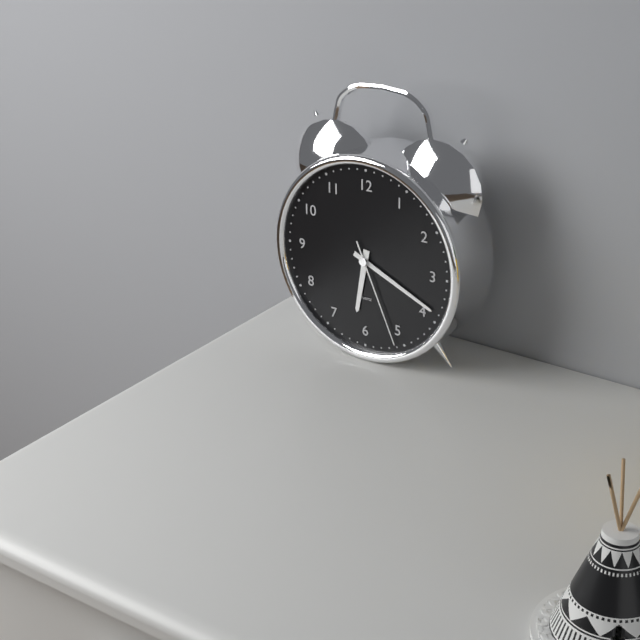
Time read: 6:19:26
